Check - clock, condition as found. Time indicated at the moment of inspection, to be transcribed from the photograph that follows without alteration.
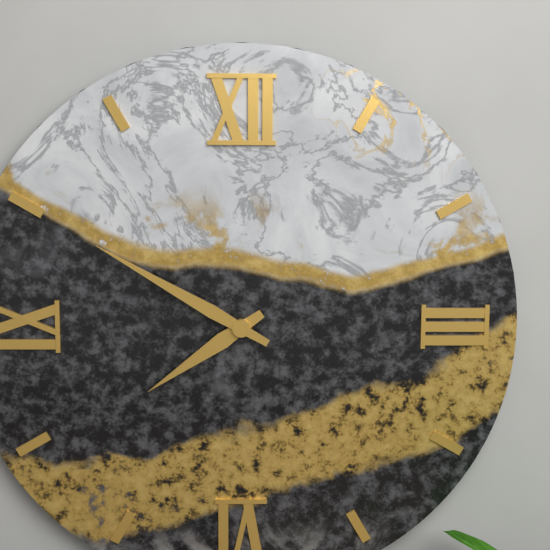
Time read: 7:50
